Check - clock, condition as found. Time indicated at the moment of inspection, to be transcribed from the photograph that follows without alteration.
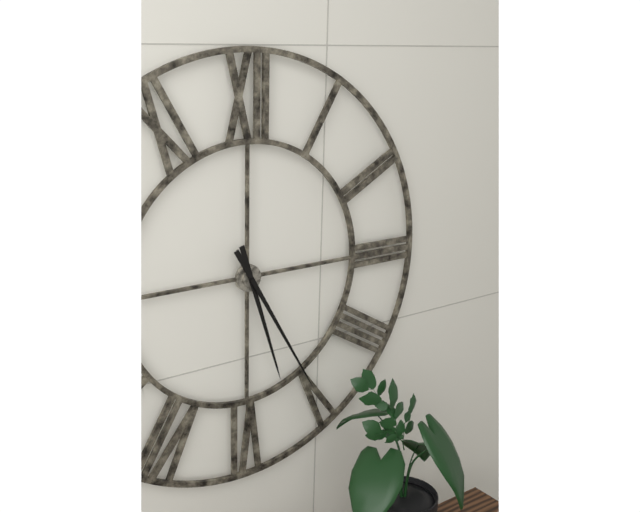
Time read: 5:25
